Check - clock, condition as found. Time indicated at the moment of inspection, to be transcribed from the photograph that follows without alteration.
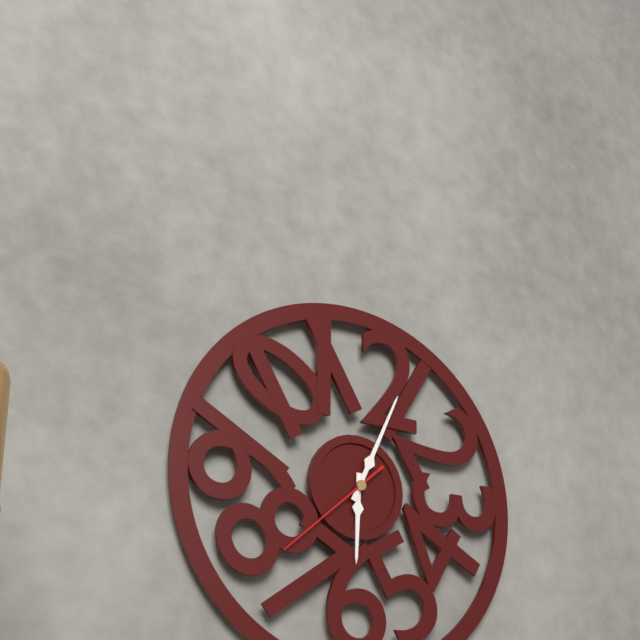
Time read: 6:04:38
